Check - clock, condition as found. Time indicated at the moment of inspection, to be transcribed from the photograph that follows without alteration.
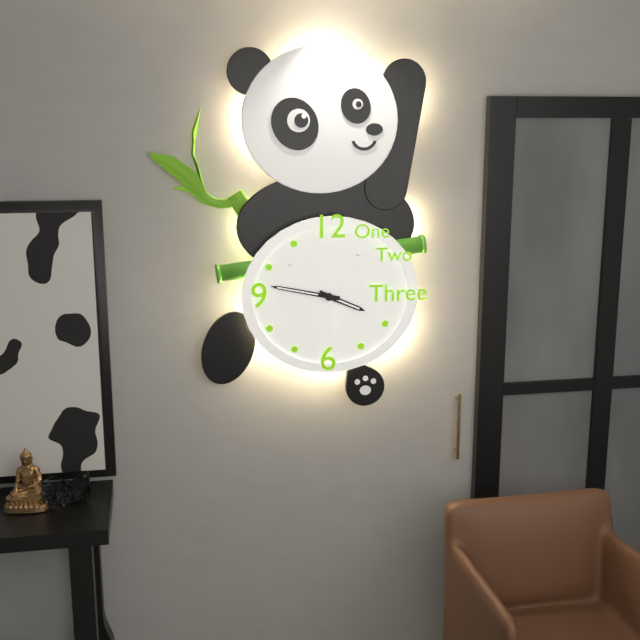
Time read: 3:47:29
